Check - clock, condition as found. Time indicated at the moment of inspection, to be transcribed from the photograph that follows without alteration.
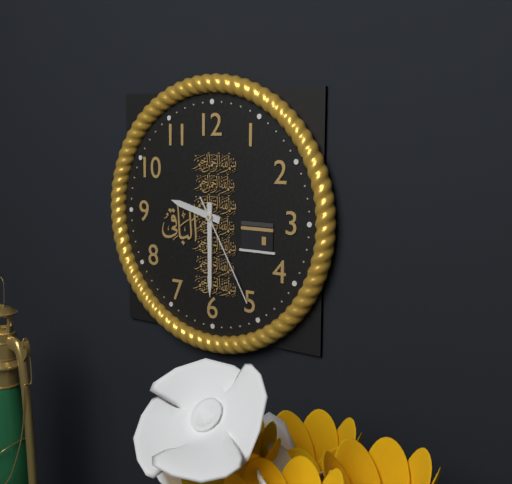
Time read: 9:30:25
